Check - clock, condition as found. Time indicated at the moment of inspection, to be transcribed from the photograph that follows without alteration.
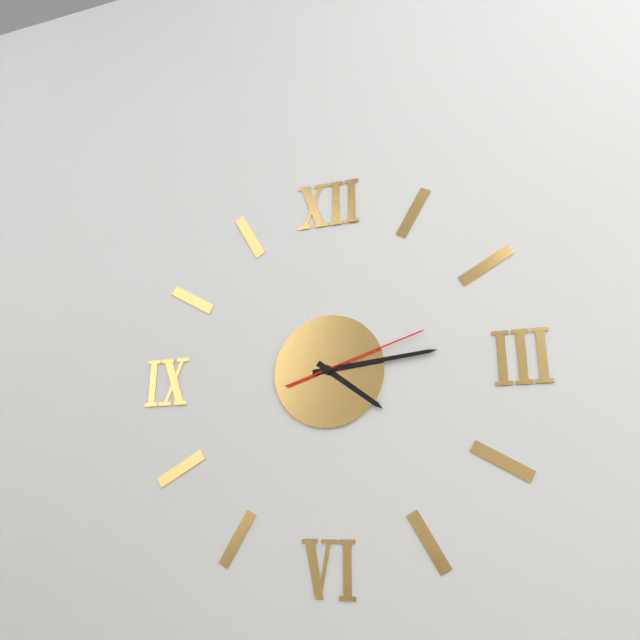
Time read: 4:14:12
